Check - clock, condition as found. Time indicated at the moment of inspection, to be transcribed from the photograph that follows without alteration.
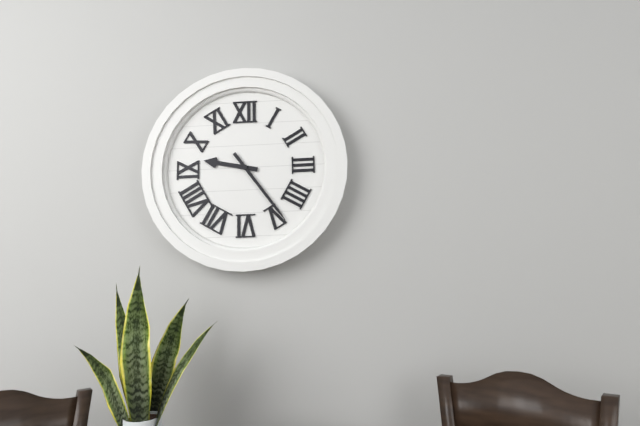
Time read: 9:24
